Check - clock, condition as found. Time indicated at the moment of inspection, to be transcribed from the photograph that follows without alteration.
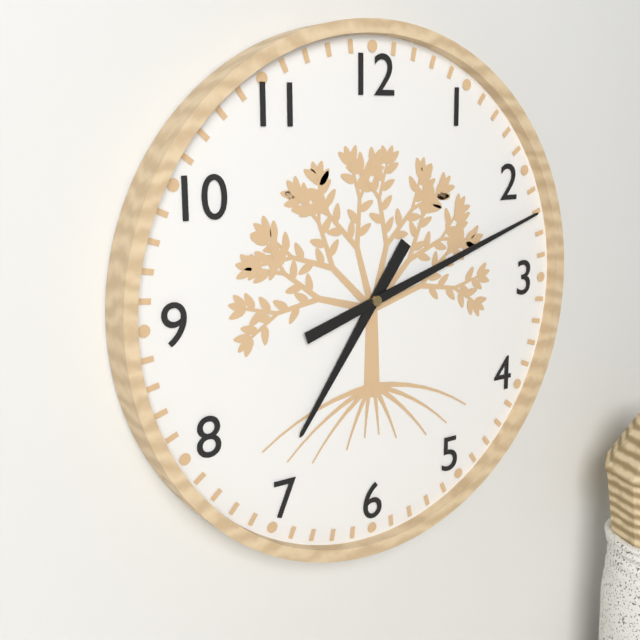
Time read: 7:12
